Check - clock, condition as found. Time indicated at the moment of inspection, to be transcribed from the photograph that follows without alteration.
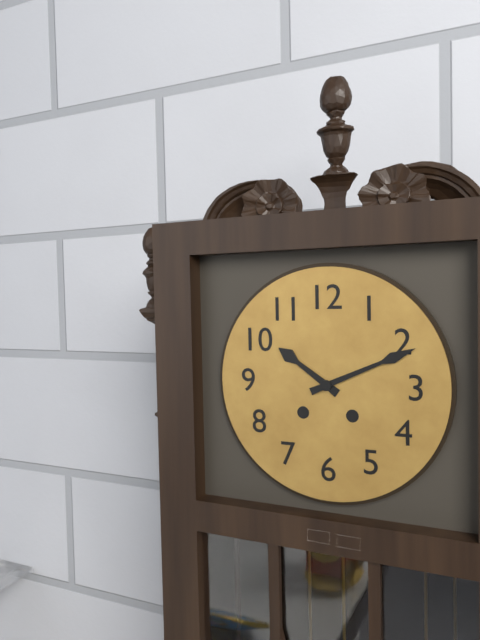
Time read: 10:11
